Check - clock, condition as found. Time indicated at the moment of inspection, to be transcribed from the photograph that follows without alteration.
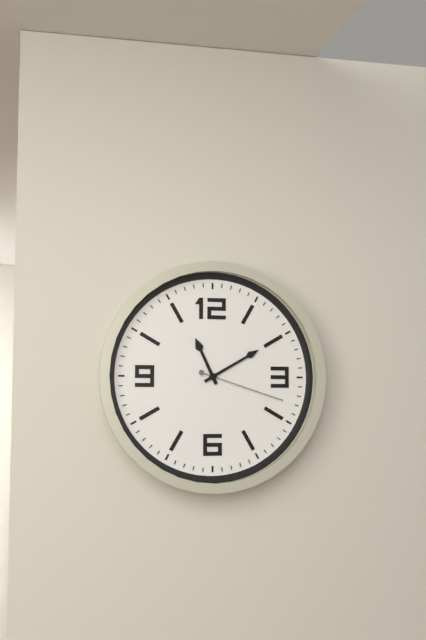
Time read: 11:10:18
